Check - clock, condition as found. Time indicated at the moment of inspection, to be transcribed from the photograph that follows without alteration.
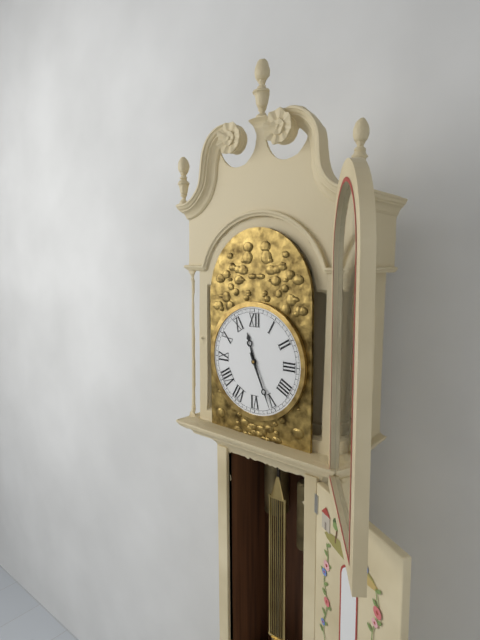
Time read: 11:26
